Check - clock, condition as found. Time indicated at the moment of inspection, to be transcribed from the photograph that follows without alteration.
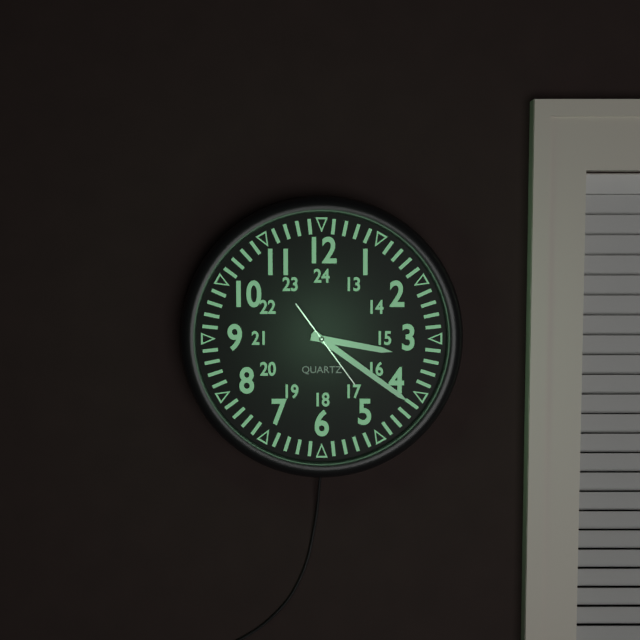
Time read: 3:21:24
